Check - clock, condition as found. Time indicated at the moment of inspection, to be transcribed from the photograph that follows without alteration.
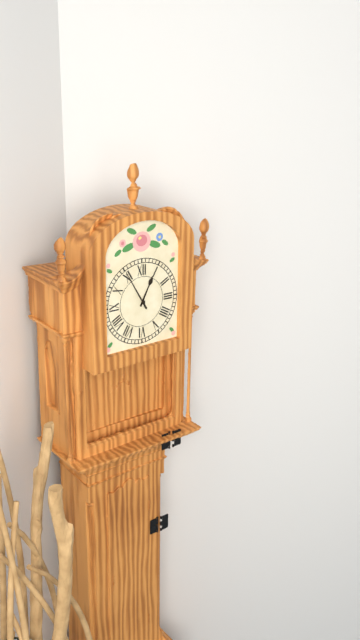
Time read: 12:55
